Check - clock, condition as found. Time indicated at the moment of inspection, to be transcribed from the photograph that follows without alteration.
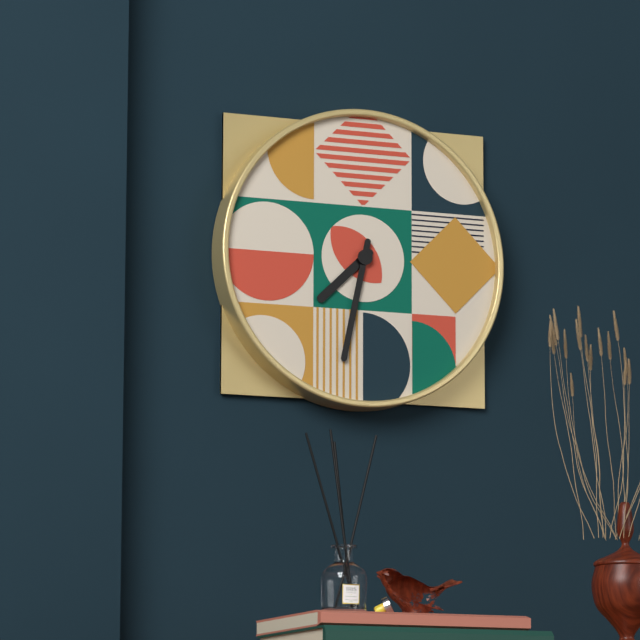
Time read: 7:32
